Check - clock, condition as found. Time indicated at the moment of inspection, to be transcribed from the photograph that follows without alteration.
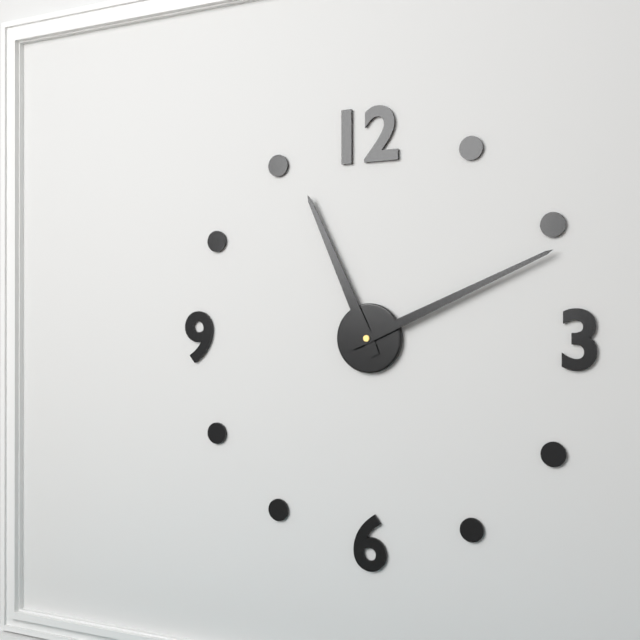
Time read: 11:11
